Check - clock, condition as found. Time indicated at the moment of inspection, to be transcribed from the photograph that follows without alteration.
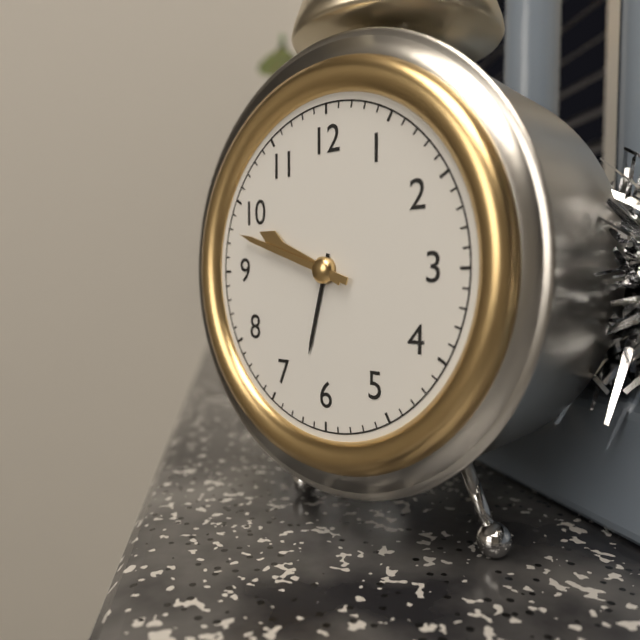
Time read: 9:48
